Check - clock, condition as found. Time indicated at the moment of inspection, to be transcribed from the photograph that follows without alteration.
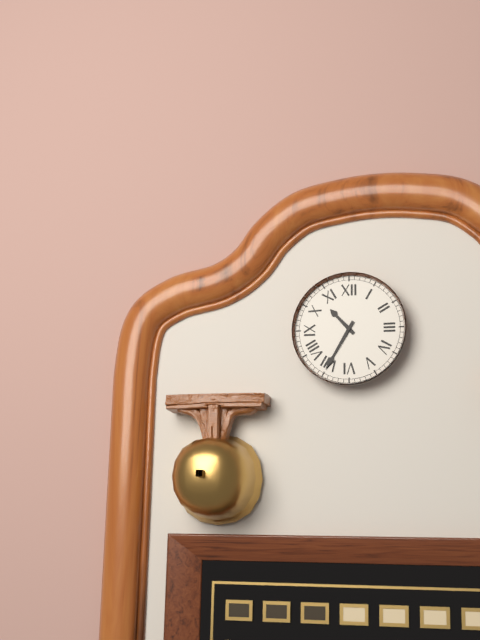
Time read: 10:35
